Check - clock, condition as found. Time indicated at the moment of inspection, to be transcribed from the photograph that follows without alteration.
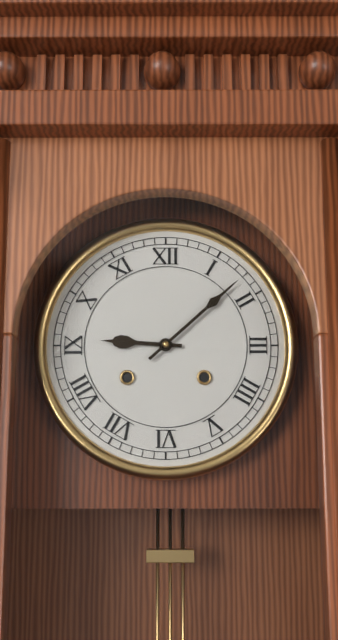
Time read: 9:08
